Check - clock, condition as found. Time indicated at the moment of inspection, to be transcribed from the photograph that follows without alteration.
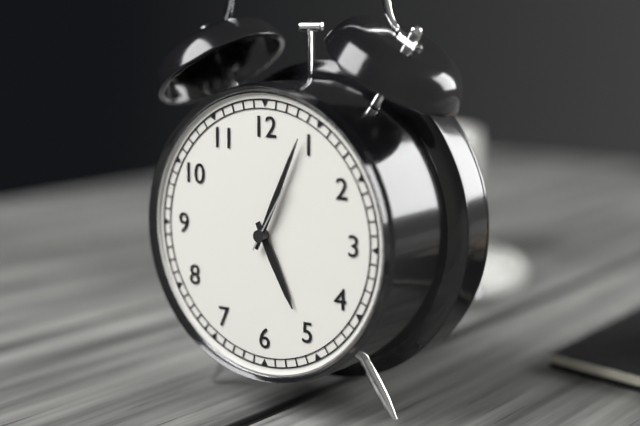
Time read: 5:04:05
